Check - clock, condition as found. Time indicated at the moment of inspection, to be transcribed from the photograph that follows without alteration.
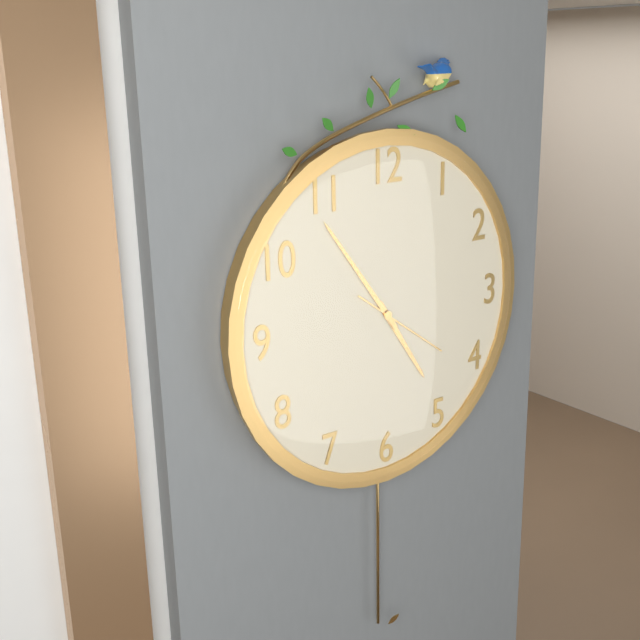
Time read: 4:54:21
